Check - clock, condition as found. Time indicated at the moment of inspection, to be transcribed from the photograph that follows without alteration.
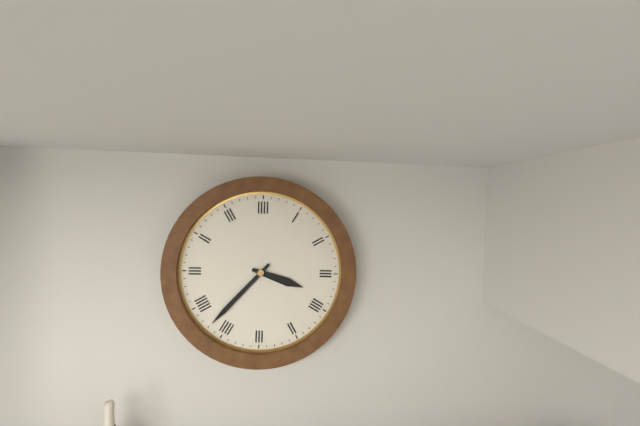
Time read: 3:37
